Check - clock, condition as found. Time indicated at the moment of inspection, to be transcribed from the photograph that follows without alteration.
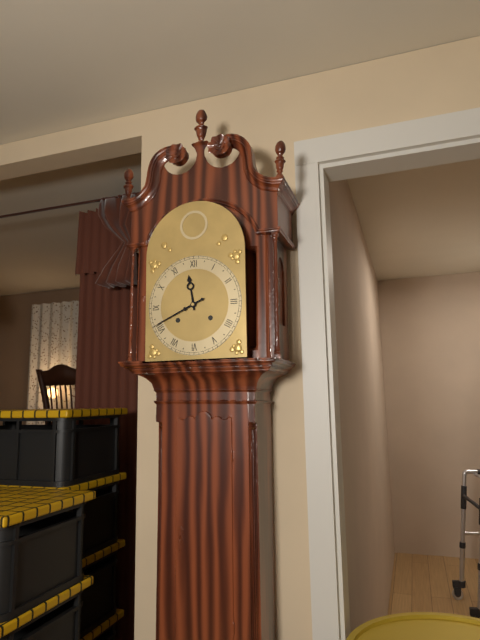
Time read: 11:41
